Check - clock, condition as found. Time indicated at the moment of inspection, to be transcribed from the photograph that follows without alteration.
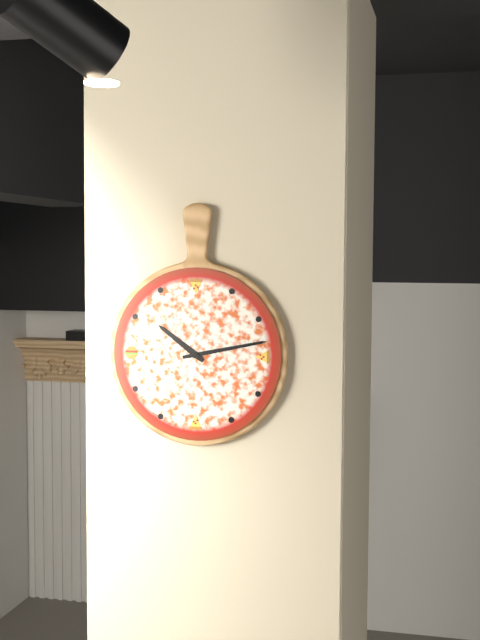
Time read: 10:13
